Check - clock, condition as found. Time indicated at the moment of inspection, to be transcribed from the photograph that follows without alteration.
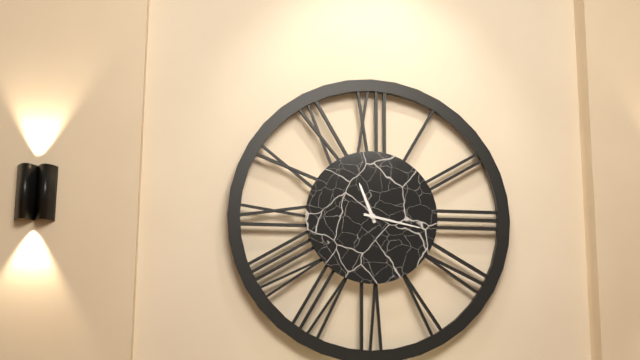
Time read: 11:17
